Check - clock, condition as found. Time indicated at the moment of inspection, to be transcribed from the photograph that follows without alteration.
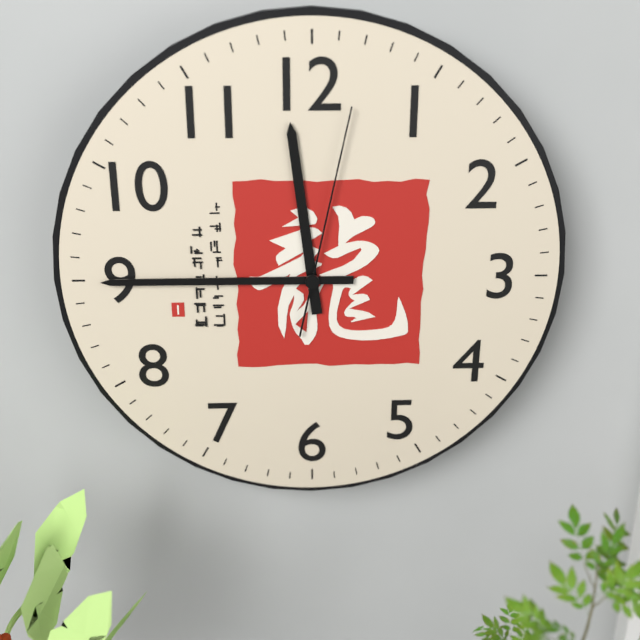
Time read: 11:45:02
